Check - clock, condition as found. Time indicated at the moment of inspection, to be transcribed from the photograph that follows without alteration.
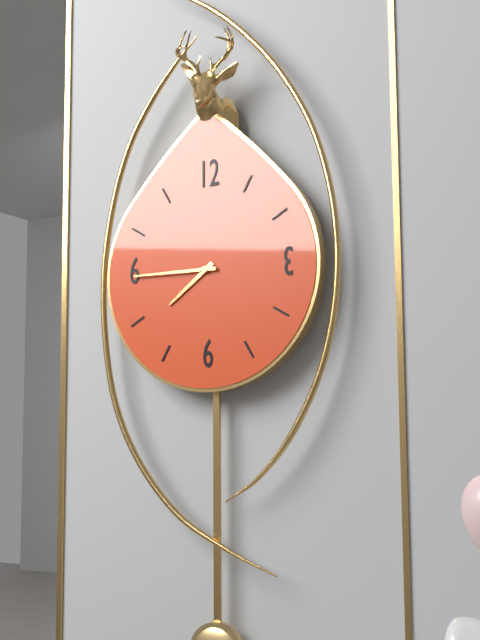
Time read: 7:45
